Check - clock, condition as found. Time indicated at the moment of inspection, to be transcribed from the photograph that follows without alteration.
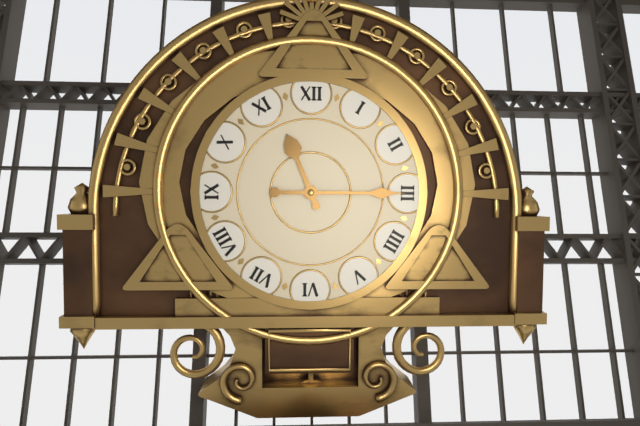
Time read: 11:15
